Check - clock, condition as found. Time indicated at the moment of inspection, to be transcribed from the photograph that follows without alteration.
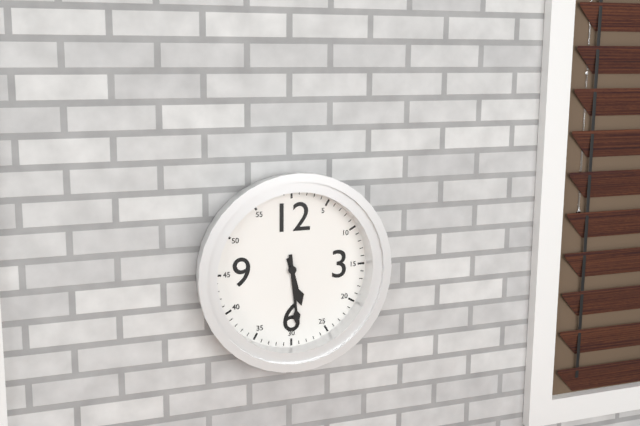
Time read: 5:29
